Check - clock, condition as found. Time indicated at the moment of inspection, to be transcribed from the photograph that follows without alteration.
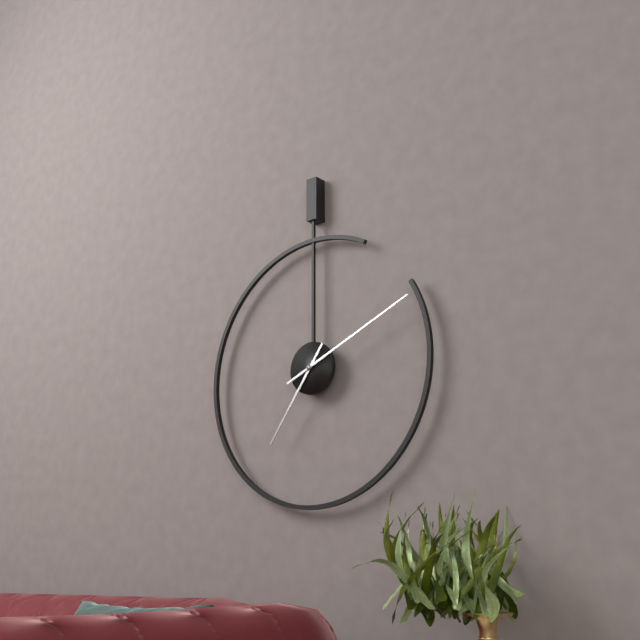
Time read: 7:11
